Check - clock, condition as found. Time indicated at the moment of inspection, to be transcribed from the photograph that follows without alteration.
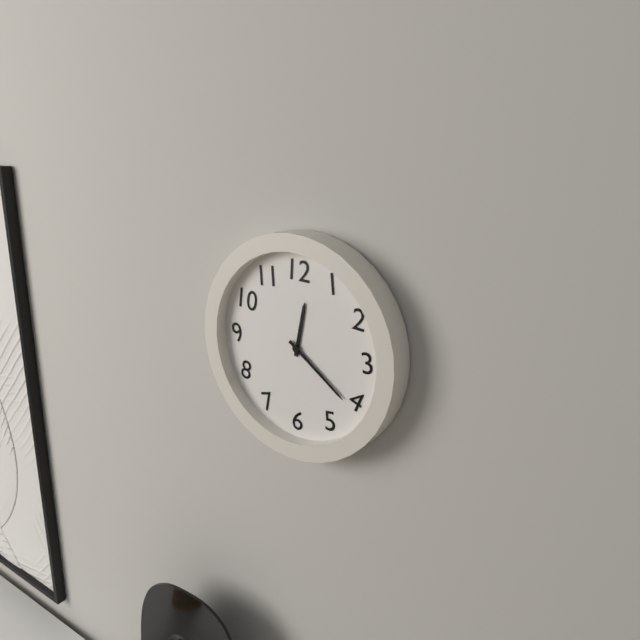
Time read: 12:21
